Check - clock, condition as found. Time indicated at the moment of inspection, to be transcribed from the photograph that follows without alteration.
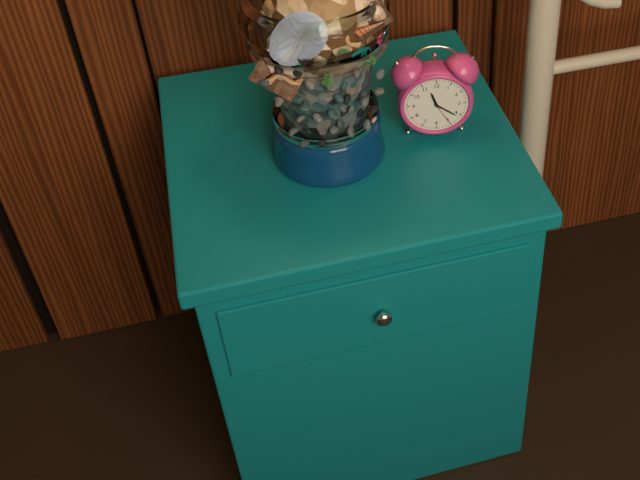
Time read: 11:21
